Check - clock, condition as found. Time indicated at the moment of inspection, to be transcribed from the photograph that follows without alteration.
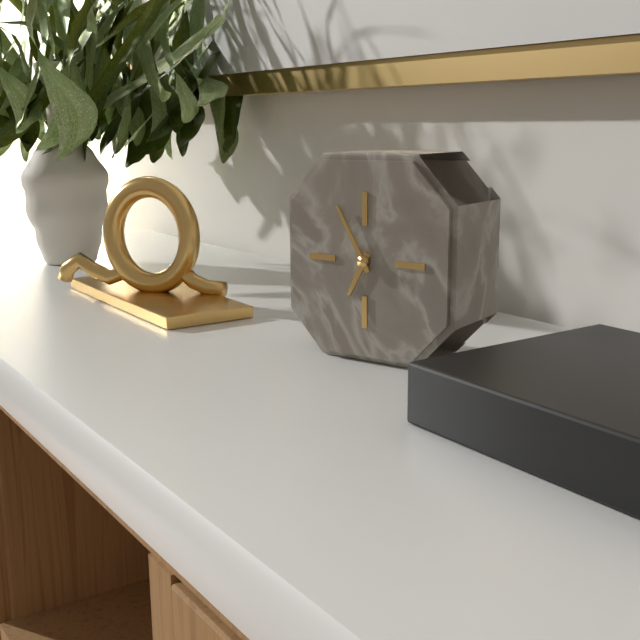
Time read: 6:55
